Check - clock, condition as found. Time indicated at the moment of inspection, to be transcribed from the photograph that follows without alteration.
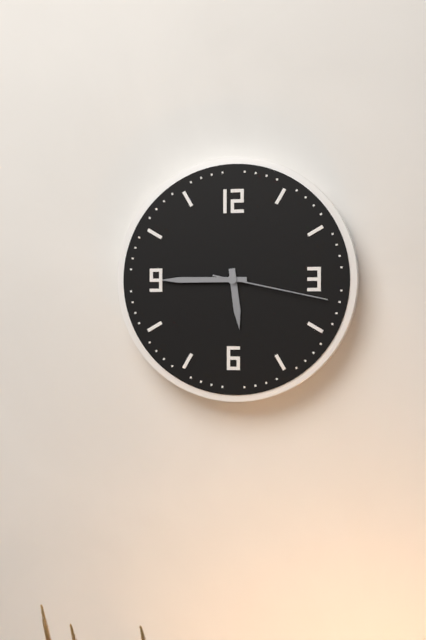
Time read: 5:45:17
